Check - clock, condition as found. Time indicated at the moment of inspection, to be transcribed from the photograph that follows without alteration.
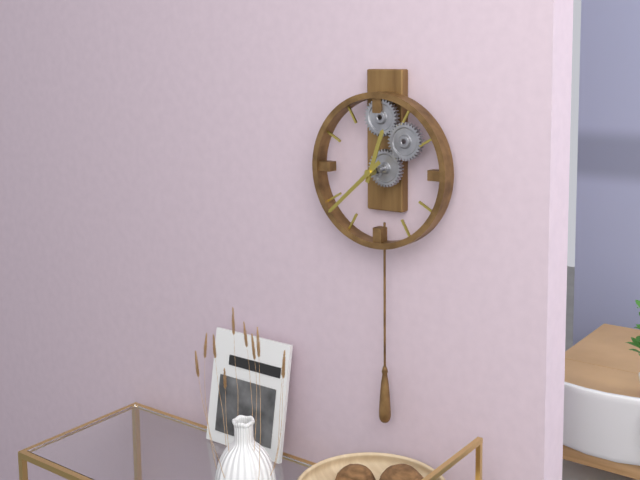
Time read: 12:38
